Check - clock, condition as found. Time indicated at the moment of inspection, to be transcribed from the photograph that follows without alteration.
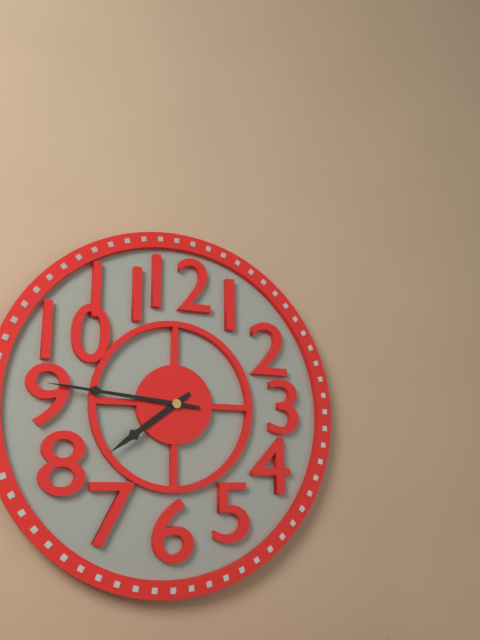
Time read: 7:46
